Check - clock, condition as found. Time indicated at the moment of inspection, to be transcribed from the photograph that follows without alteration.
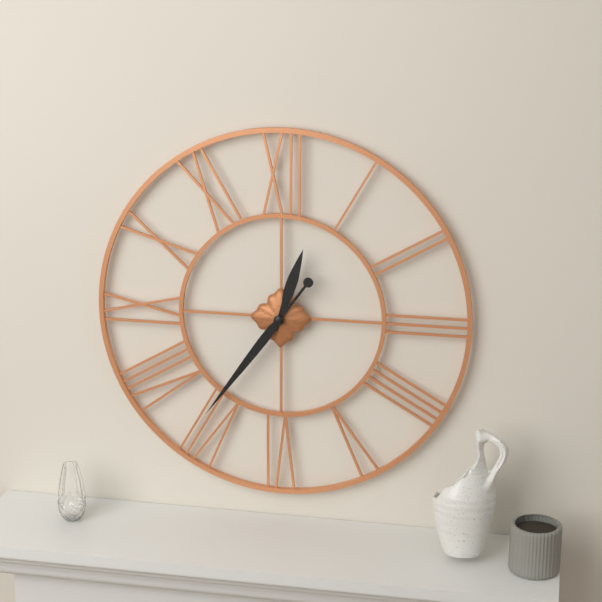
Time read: 12:36
